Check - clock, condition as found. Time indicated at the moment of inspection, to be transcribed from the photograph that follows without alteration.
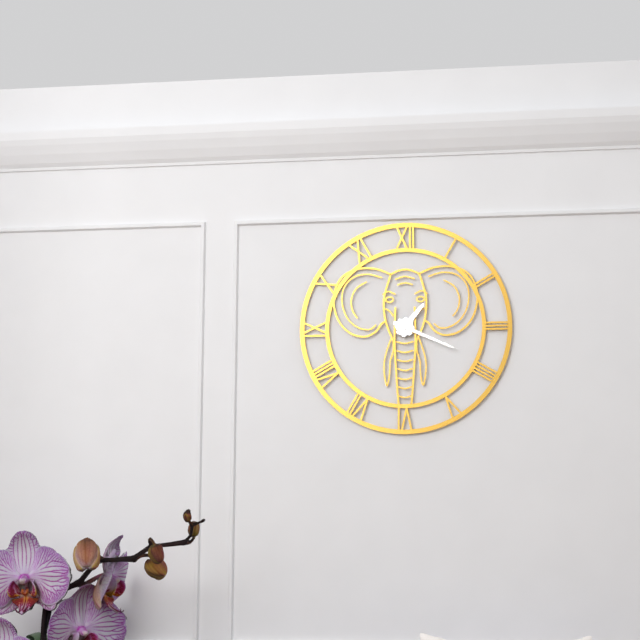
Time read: 1:19
